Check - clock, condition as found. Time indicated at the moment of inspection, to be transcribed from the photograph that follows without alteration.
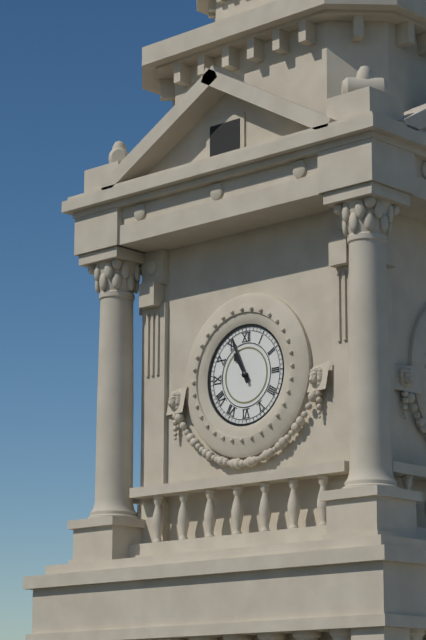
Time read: 10:56
